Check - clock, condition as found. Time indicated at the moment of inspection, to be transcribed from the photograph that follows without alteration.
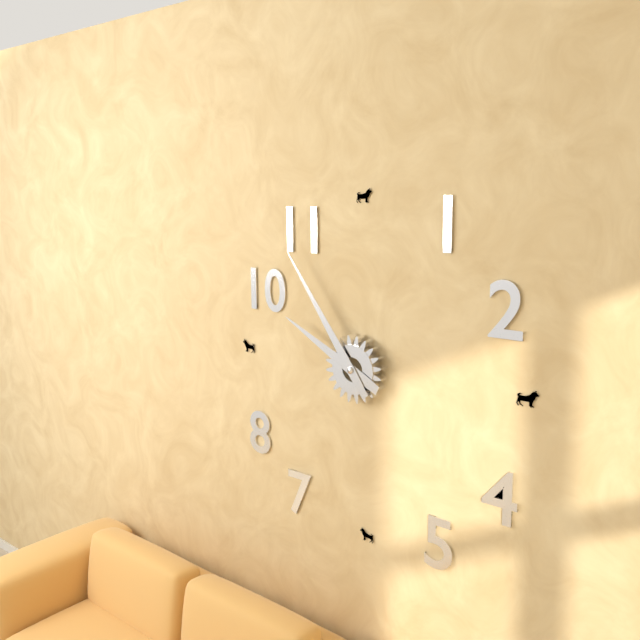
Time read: 9:54
